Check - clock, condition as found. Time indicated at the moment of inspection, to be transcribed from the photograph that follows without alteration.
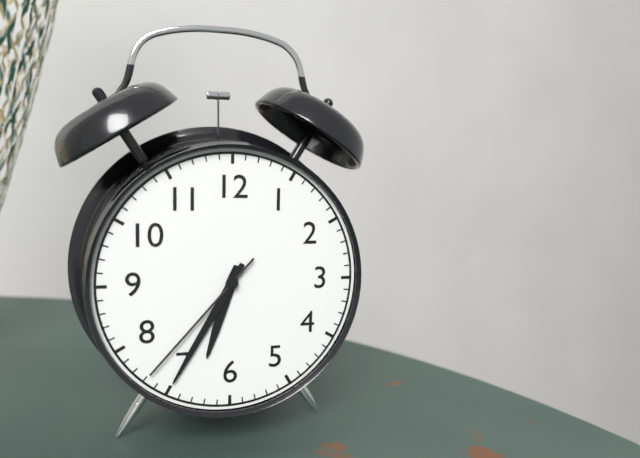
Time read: 6:35:37
